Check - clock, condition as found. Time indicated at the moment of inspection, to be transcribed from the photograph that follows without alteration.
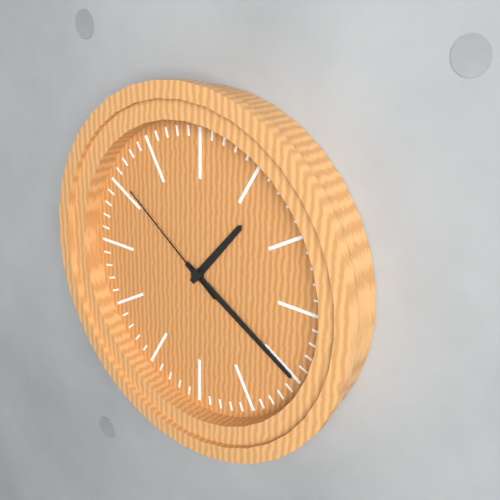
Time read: 1:20:51
